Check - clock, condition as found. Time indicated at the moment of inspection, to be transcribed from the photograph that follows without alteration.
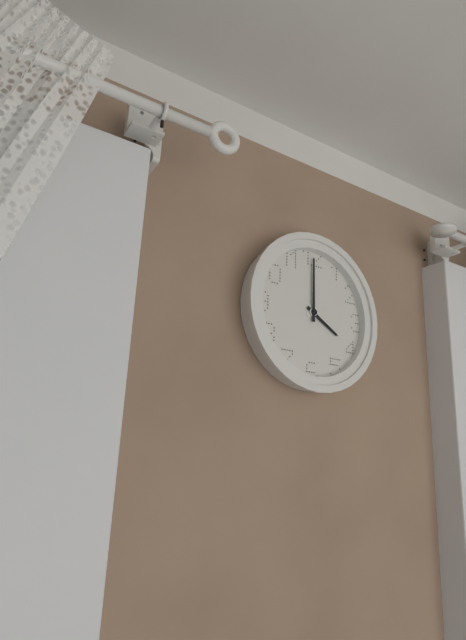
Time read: 4:00
